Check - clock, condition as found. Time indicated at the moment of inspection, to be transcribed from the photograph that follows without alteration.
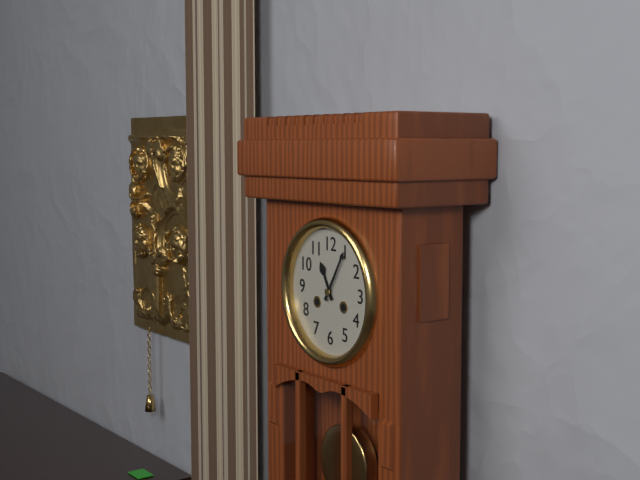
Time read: 11:05
